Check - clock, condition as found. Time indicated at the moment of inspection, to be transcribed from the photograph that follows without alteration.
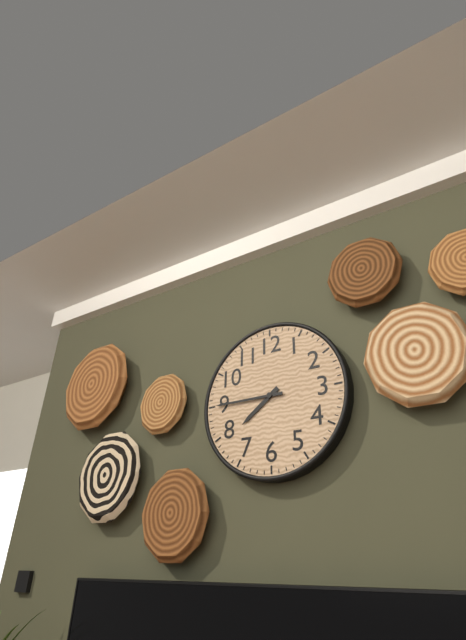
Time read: 7:45
